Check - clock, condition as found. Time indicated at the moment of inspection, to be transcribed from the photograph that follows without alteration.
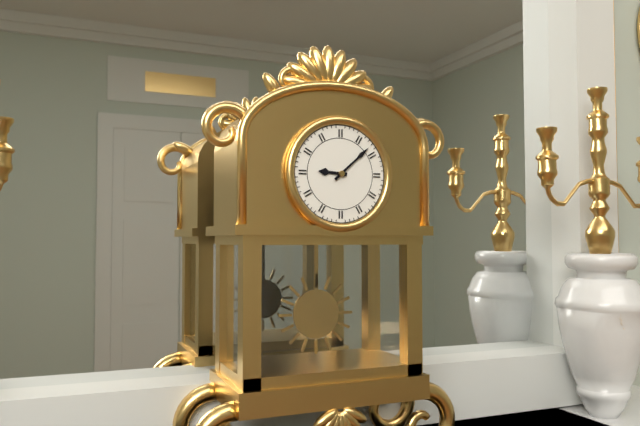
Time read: 9:08
